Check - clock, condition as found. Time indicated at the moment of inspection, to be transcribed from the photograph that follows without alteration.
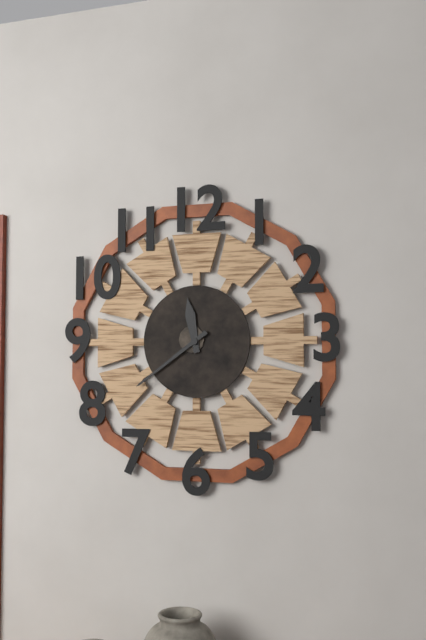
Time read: 11:39
